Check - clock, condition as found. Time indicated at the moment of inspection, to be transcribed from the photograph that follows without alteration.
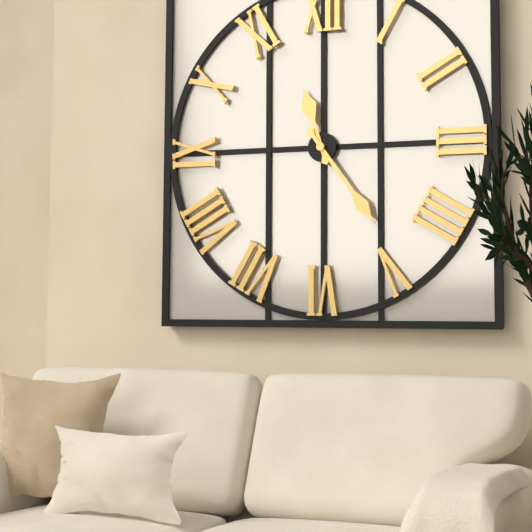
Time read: 11:24
